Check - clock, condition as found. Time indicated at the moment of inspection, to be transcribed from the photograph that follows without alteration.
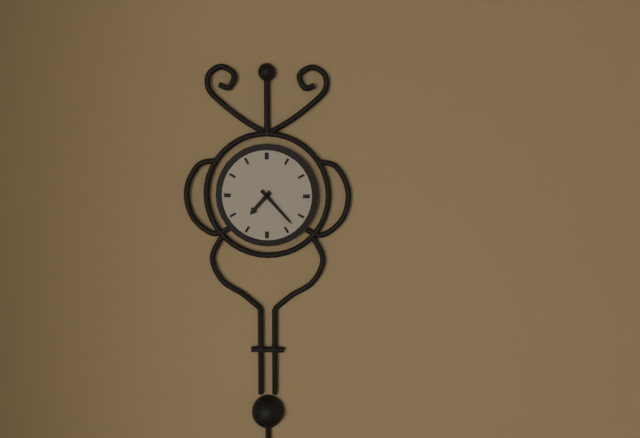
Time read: 7:23
